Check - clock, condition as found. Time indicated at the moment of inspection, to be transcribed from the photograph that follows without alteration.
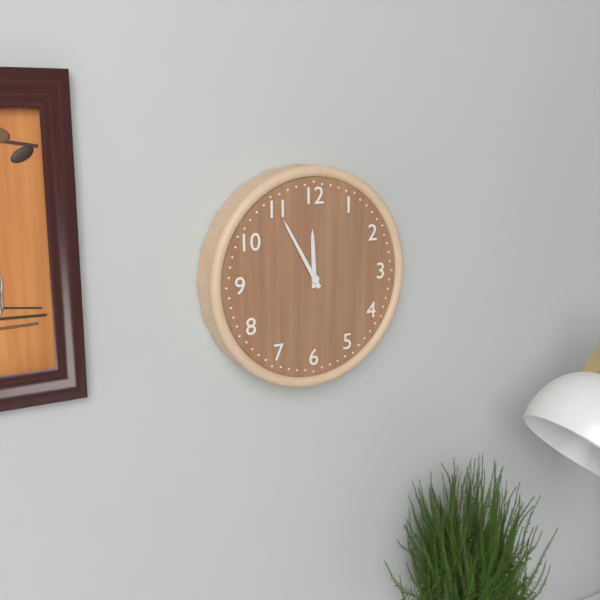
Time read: 11:55
